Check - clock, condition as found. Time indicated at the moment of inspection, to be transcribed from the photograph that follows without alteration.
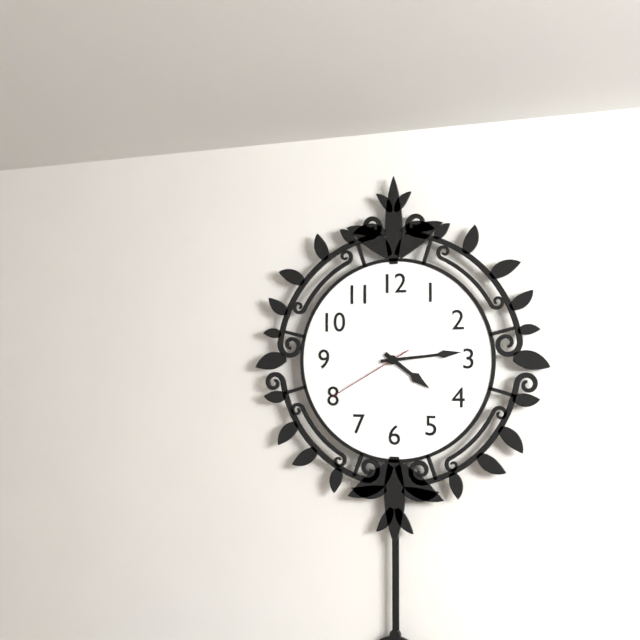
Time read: 4:14:40
